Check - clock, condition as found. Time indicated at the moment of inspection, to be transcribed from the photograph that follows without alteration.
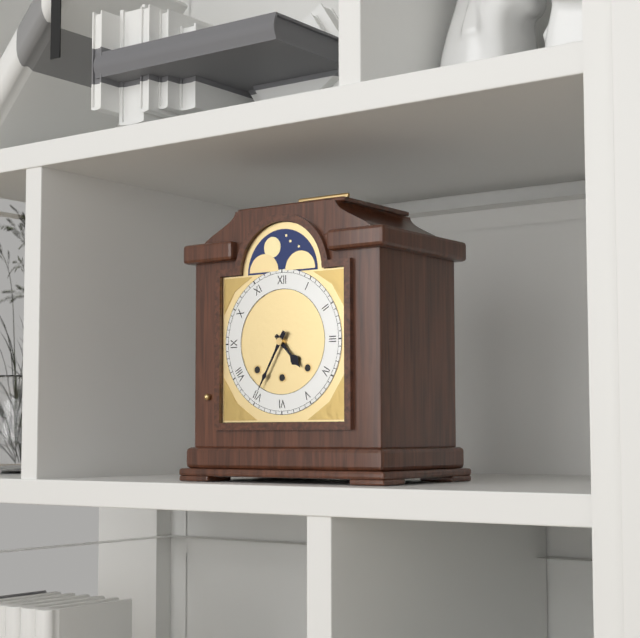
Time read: 4:35
